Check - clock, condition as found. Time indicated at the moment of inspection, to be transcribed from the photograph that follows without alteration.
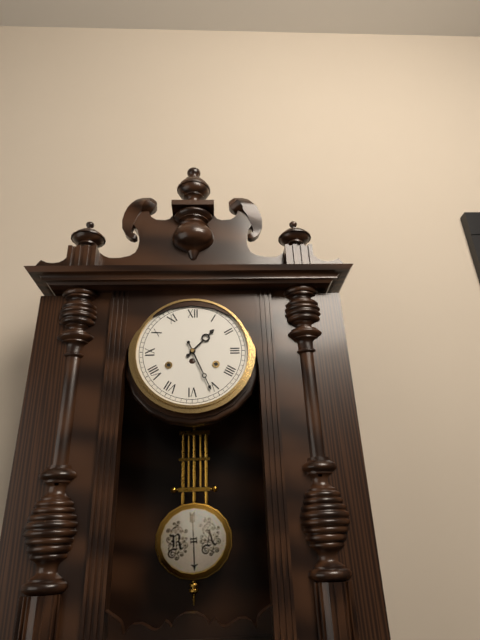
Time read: 1:26
